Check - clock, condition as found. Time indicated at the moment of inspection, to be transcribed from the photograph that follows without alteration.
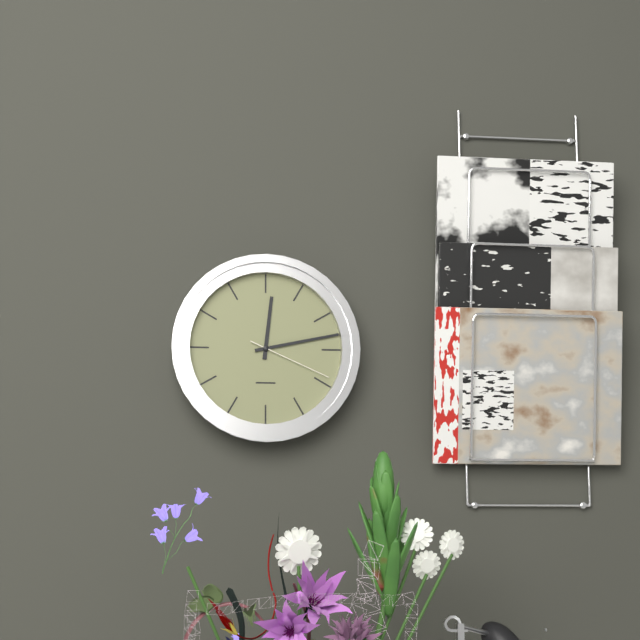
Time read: 12:13:19
